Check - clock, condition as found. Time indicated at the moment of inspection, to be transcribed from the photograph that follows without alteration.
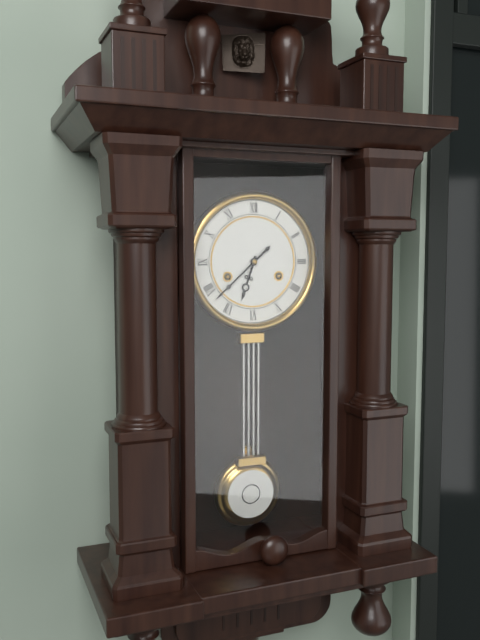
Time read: 6:38
